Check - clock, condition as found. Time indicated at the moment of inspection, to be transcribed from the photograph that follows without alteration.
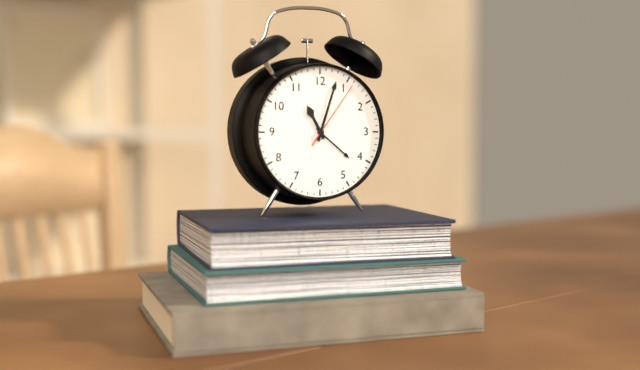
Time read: 11:03:06
